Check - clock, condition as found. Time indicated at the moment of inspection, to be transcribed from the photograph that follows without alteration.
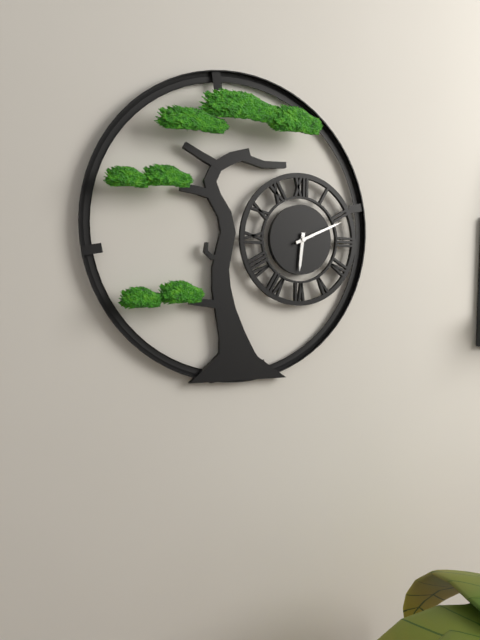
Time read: 6:11
